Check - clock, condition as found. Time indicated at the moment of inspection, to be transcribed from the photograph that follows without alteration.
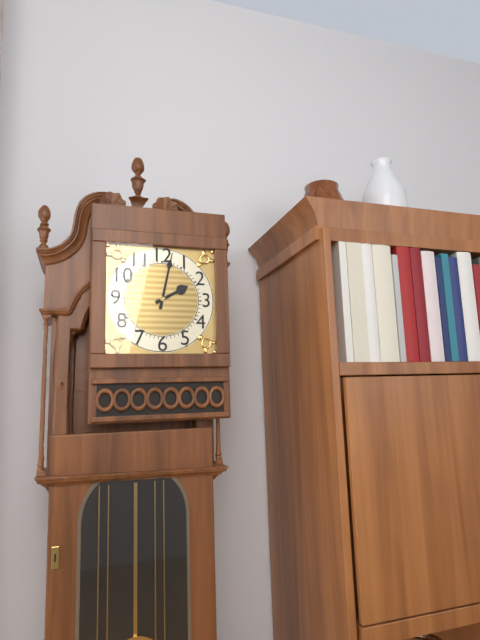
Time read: 2:02
